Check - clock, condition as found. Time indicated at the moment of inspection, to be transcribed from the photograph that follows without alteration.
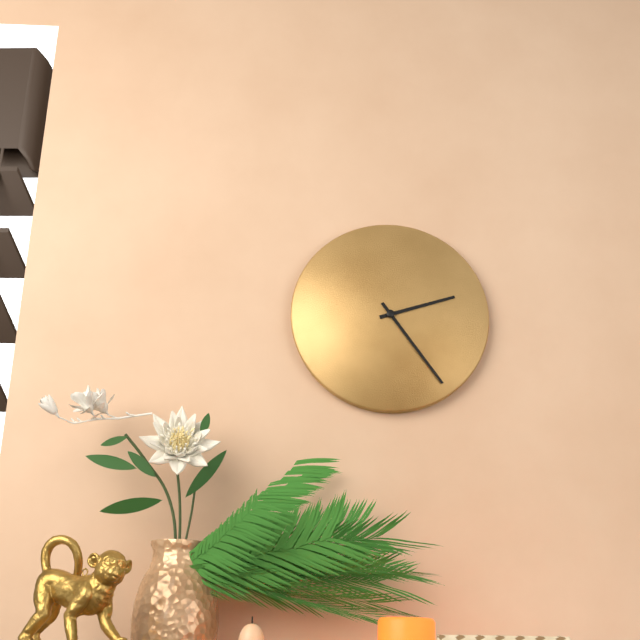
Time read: 2:24
